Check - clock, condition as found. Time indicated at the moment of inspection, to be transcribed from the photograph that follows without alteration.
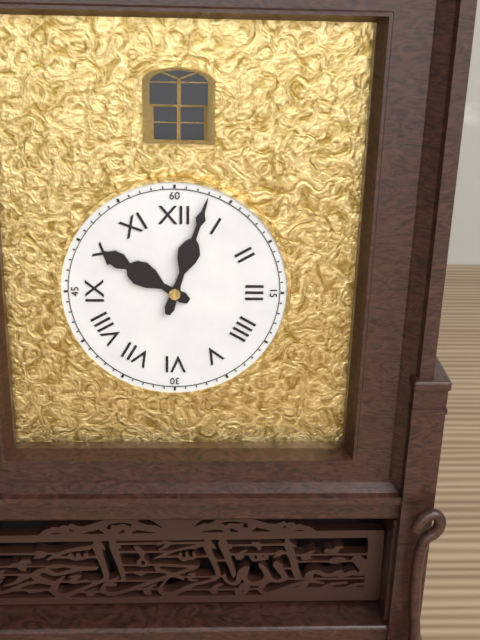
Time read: 10:03
